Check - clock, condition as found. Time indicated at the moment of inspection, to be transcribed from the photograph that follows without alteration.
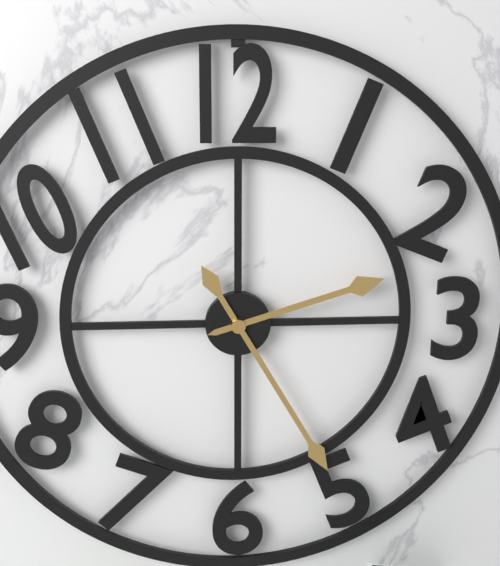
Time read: 2:25
